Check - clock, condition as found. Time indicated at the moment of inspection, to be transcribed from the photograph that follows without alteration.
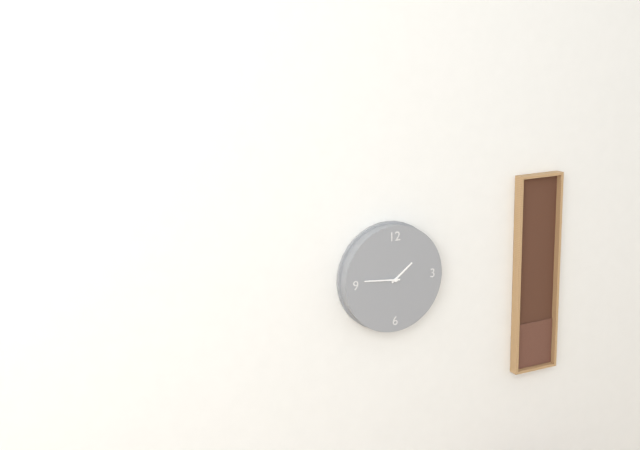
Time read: 1:46
